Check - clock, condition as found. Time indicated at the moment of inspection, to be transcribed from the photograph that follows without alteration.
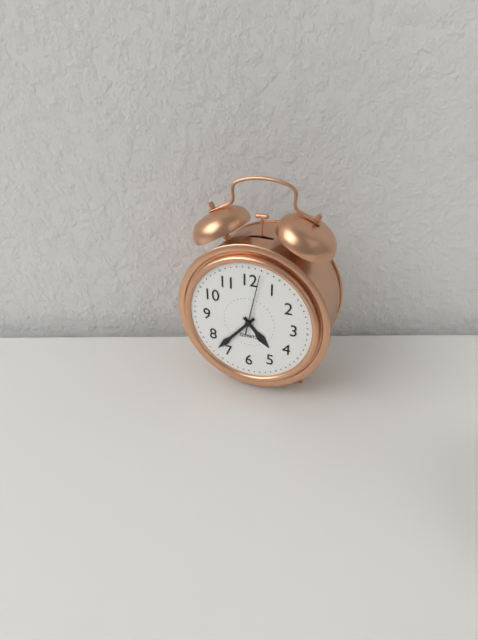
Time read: 4:37:02
